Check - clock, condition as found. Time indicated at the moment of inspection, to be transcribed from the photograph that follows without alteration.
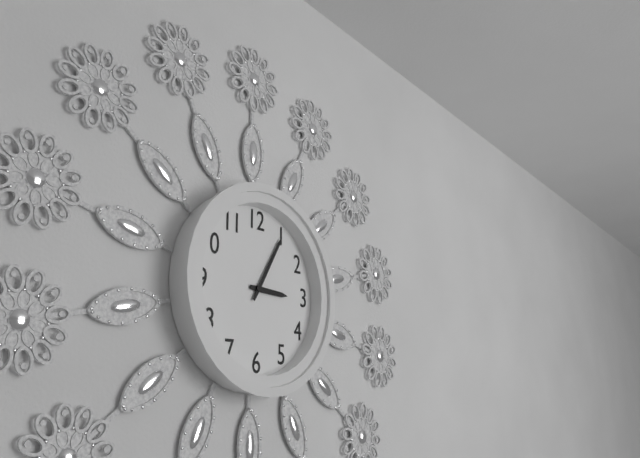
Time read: 3:05
